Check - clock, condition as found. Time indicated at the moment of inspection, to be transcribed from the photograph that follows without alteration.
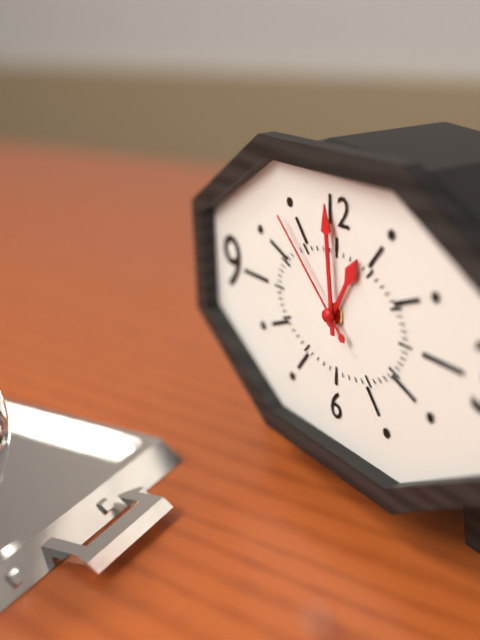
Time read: 12:59:52
